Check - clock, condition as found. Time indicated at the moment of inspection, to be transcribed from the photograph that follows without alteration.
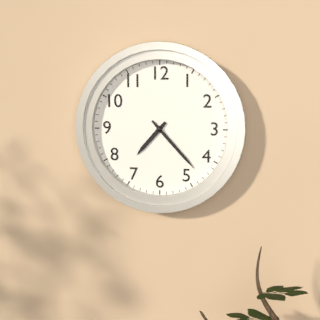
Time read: 7:23
